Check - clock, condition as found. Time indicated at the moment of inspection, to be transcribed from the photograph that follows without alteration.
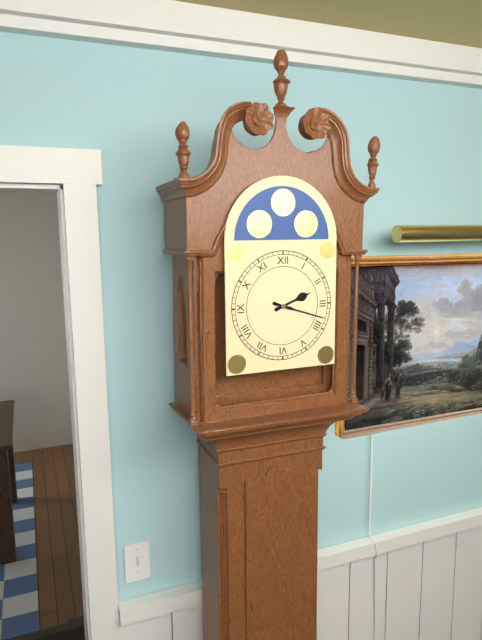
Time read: 2:18
